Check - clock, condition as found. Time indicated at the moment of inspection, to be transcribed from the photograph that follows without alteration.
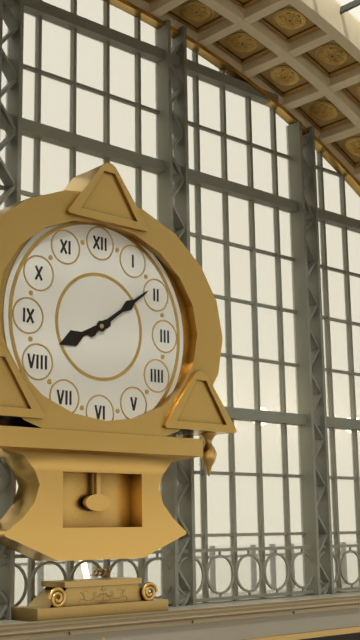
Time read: 8:09
